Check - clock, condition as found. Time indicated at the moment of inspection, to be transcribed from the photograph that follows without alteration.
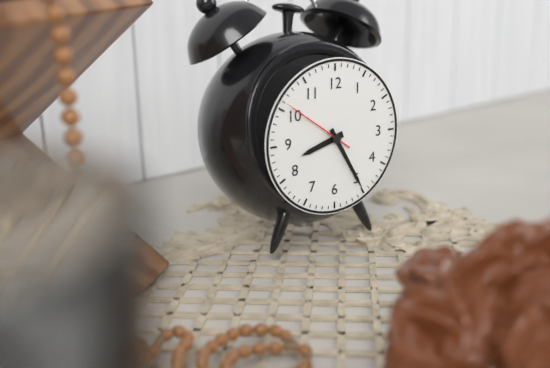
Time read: 8:25:51
